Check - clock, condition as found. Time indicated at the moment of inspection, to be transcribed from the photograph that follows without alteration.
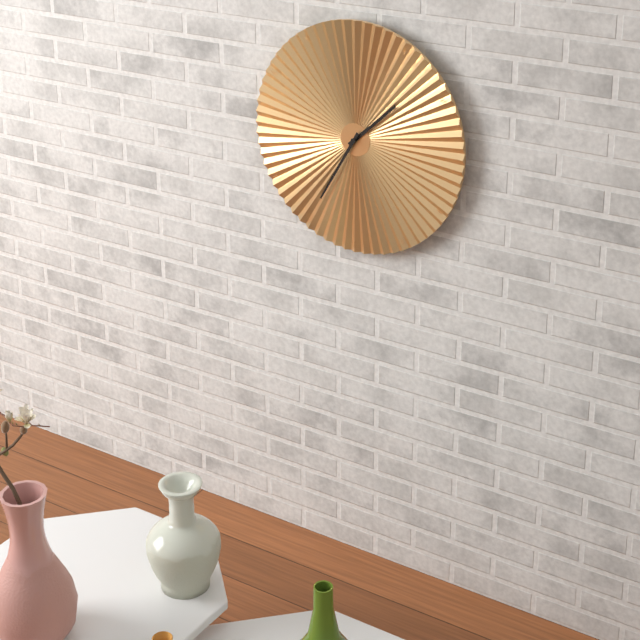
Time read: 1:35
